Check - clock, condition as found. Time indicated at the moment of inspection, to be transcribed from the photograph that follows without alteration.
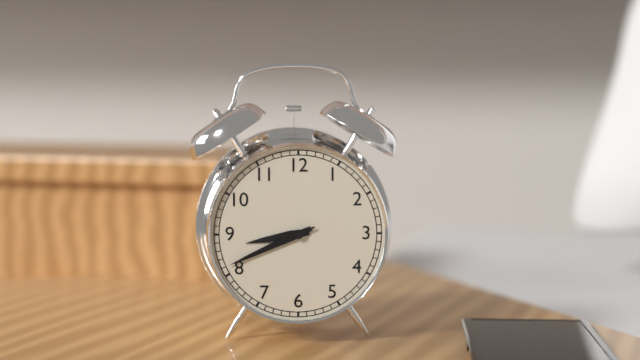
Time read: 8:41:41
